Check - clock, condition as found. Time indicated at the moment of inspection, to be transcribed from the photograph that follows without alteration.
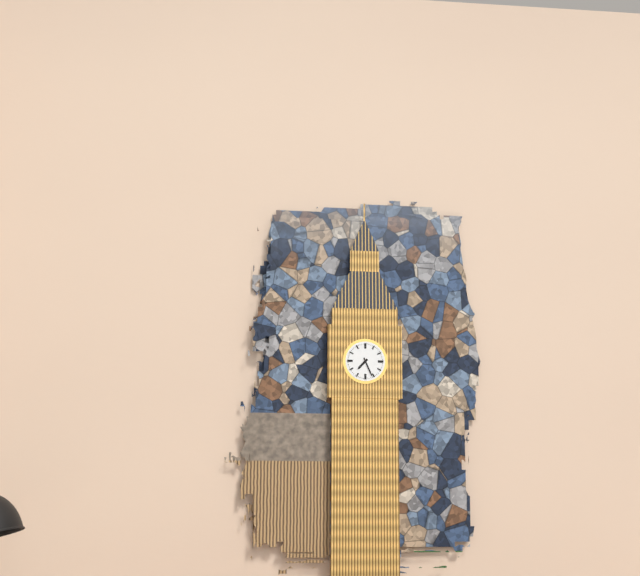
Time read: 7:26
